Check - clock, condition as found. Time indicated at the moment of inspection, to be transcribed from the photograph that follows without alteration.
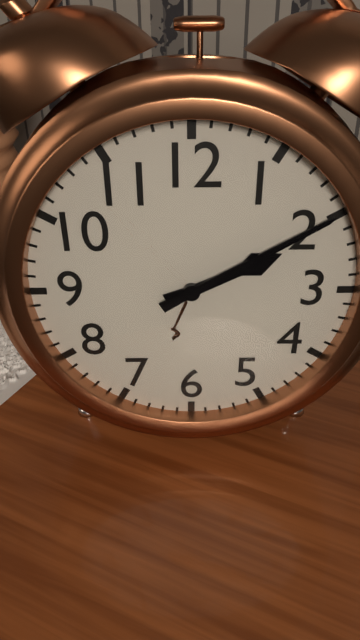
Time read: 2:10
